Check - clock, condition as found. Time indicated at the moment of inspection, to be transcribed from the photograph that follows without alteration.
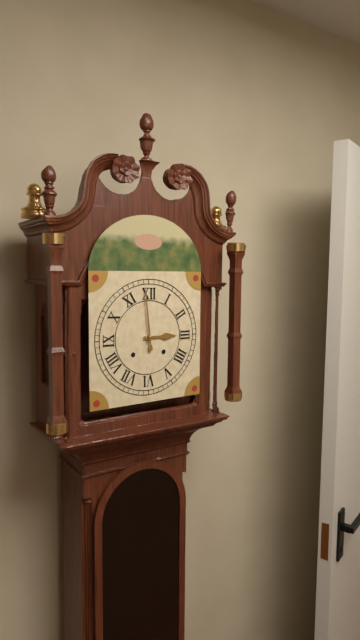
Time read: 2:59
